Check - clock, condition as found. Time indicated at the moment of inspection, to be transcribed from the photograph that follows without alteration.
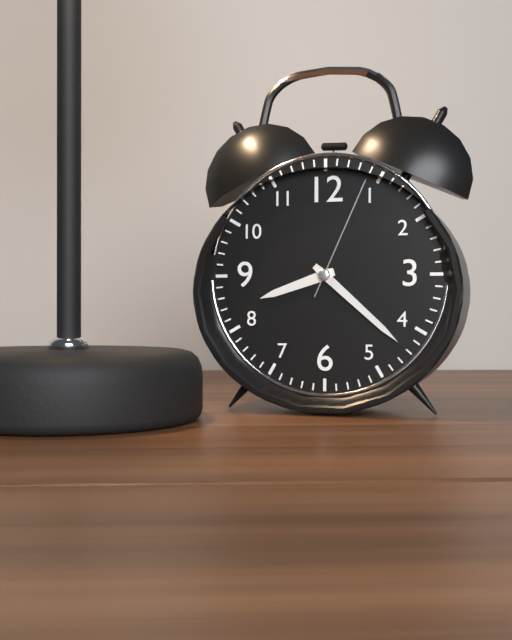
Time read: 8:22:04
